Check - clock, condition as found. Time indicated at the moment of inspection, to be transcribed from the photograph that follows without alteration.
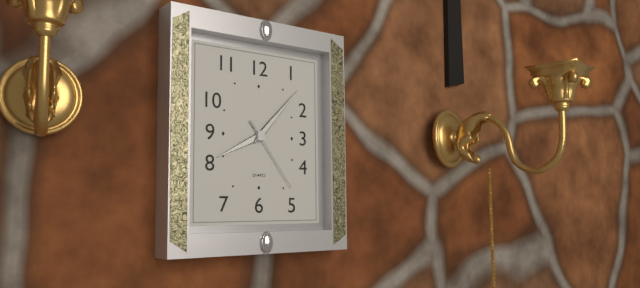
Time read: 8:07:24
